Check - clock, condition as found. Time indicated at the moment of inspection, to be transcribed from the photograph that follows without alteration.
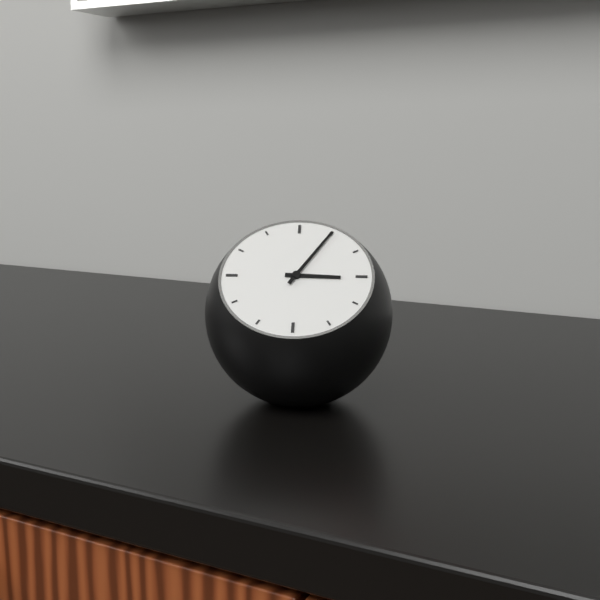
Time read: 3:05
